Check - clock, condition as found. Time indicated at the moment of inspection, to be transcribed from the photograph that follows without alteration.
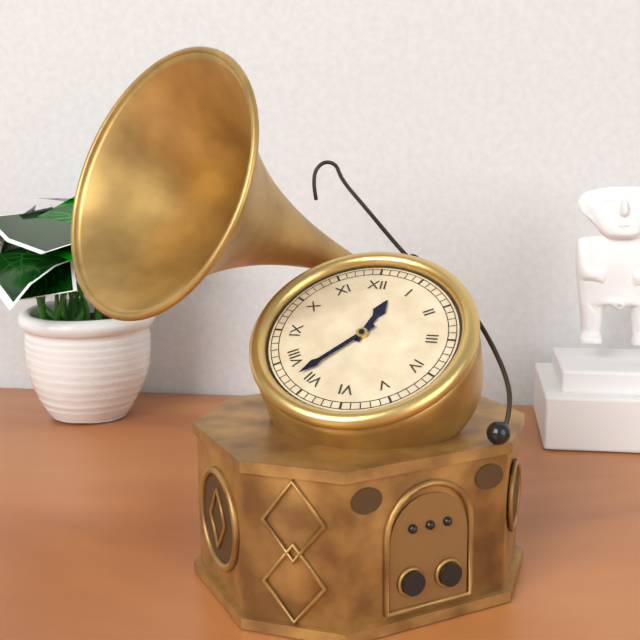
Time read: 12:37
